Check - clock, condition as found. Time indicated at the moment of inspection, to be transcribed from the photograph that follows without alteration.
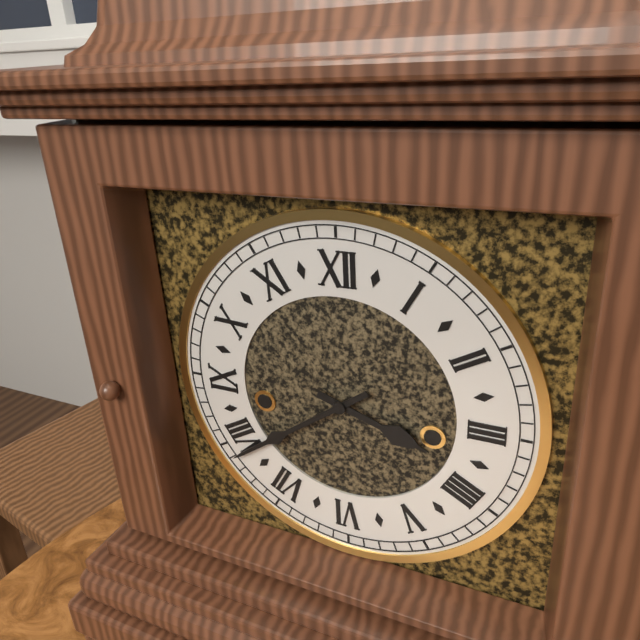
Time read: 3:39
